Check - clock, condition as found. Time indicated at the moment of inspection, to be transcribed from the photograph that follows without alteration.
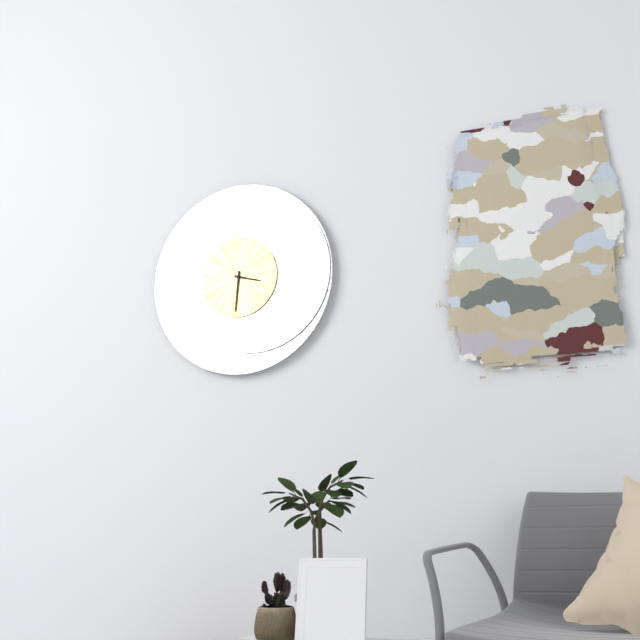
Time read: 3:31
